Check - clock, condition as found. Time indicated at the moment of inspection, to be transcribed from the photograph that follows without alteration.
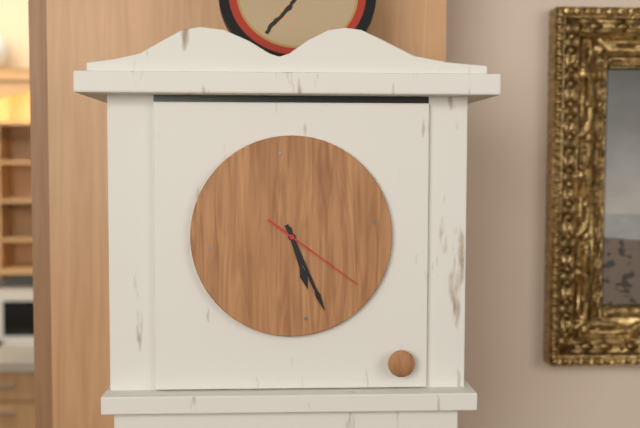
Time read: 5:26:21
